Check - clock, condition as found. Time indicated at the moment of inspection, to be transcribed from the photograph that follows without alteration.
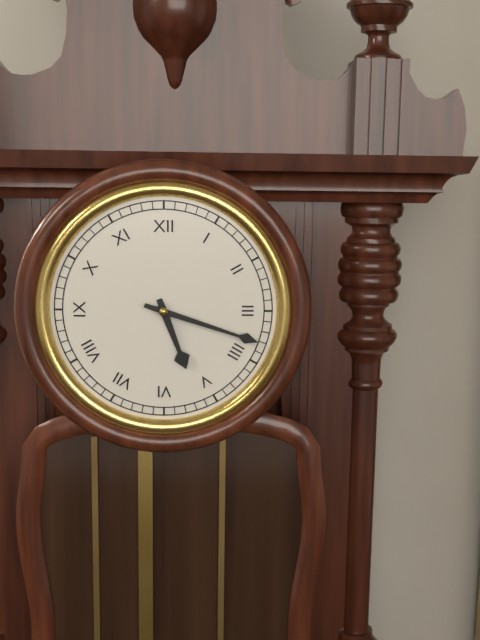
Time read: 5:18
